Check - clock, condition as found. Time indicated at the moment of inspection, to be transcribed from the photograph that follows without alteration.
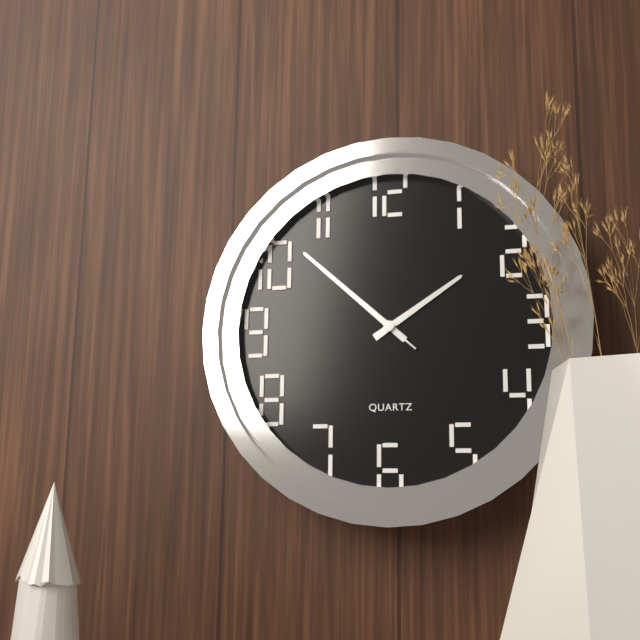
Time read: 1:52:52
